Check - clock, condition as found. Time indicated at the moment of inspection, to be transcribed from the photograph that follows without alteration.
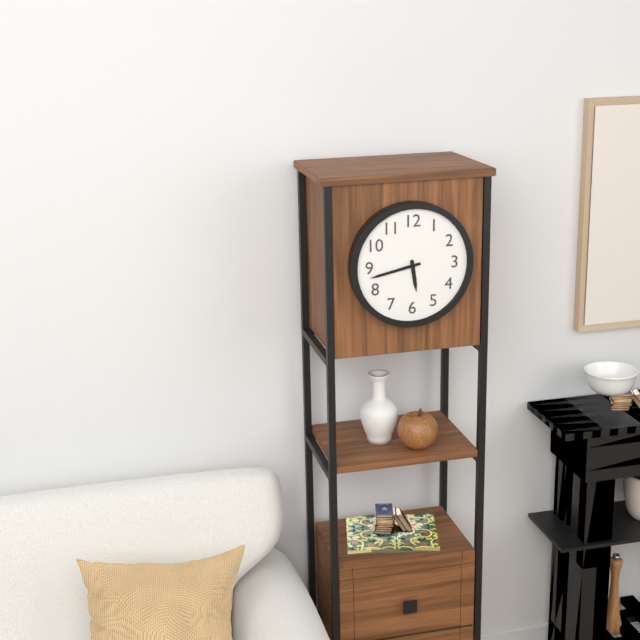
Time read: 5:43
